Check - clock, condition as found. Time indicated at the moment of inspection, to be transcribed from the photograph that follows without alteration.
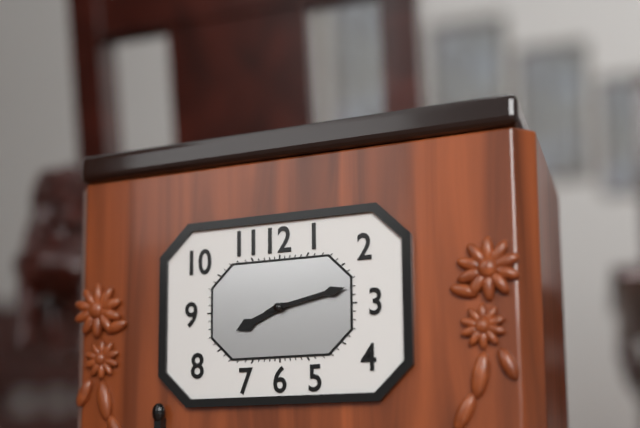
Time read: 8:13
